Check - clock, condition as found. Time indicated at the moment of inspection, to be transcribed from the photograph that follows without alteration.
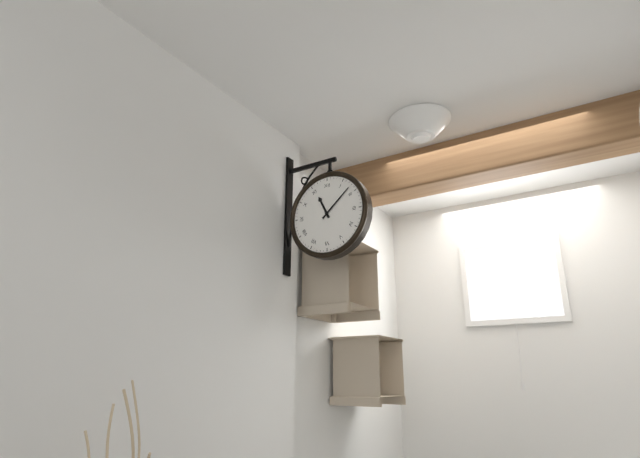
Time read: 11:08
